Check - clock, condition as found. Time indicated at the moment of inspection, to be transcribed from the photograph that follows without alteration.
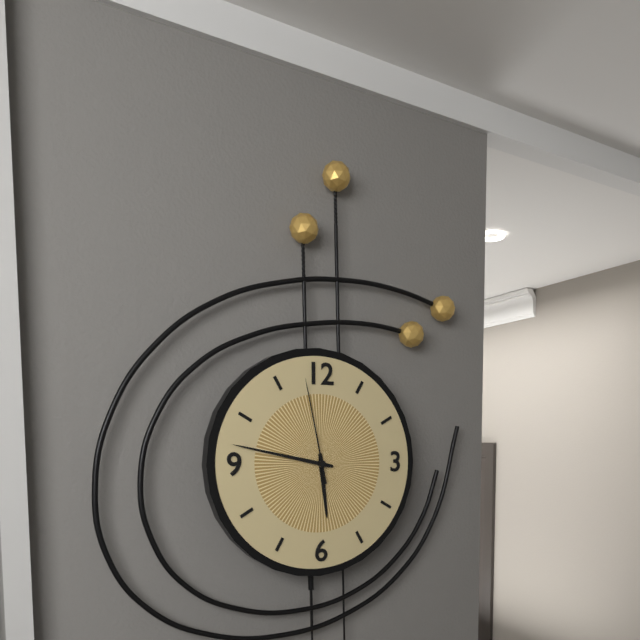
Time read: 5:47:58
